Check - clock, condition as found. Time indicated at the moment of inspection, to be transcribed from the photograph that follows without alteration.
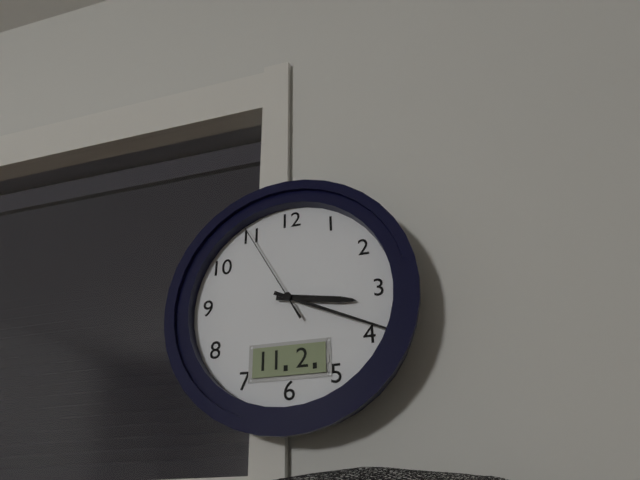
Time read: 3:19:55
